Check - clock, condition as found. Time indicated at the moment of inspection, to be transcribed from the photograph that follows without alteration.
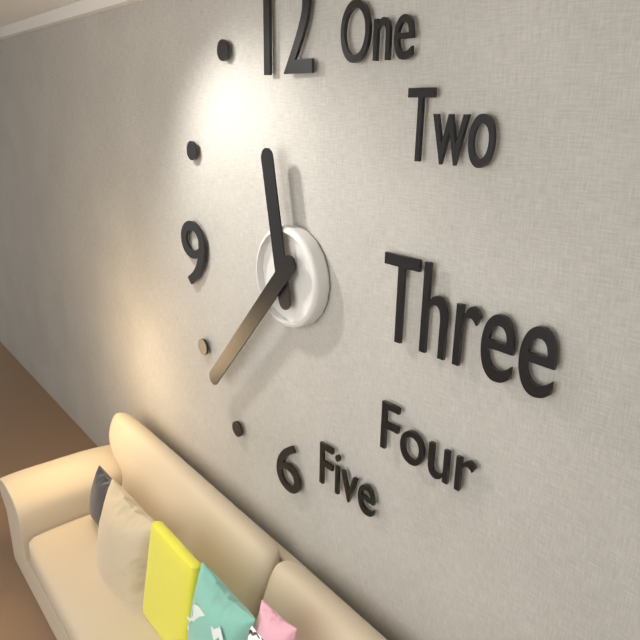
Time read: 11:37
